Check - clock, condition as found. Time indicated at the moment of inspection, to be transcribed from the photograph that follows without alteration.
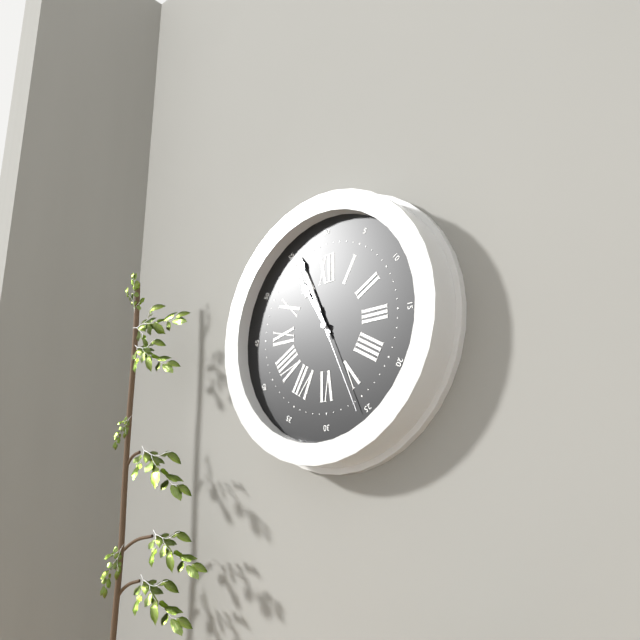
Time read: 10:56:26
